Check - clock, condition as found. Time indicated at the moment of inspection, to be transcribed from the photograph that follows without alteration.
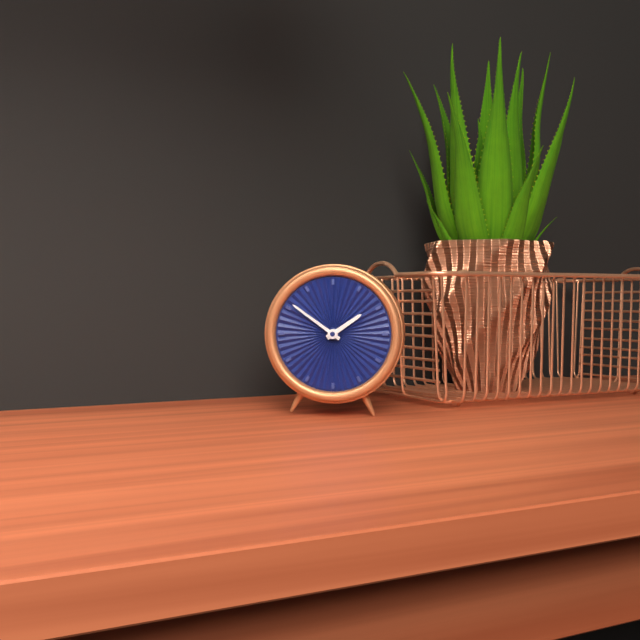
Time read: 1:51
